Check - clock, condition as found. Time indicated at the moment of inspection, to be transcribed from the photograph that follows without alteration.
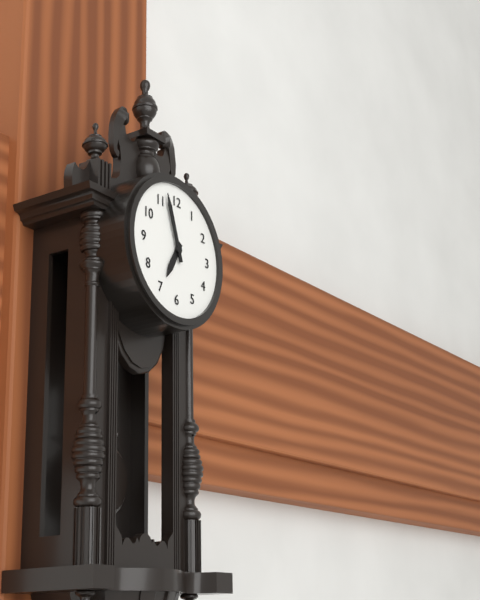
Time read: 6:57
